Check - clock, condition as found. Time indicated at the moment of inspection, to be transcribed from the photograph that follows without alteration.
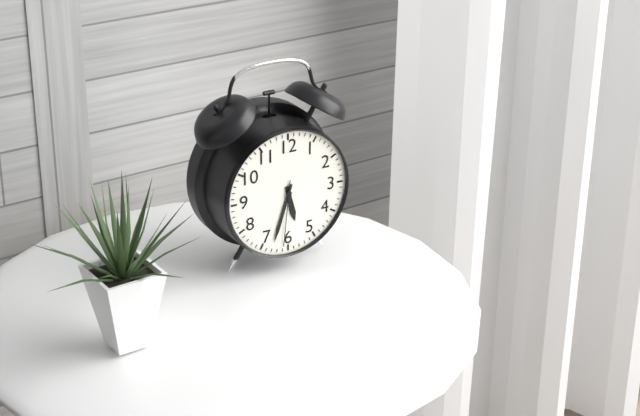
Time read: 5:33:31
